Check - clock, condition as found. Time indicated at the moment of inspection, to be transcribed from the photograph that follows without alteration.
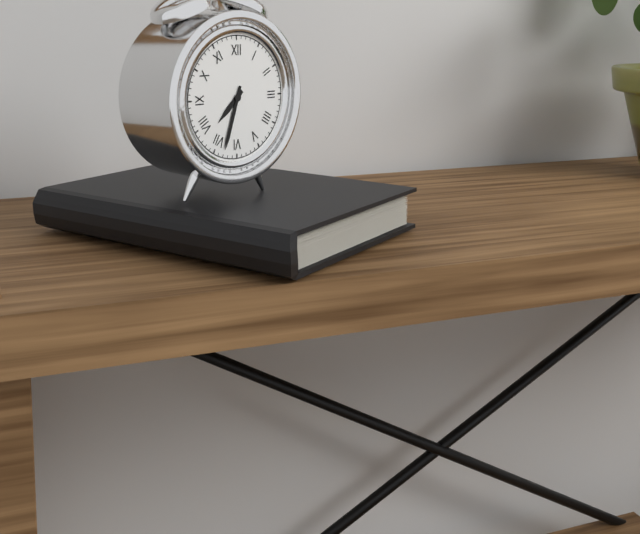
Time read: 7:33
